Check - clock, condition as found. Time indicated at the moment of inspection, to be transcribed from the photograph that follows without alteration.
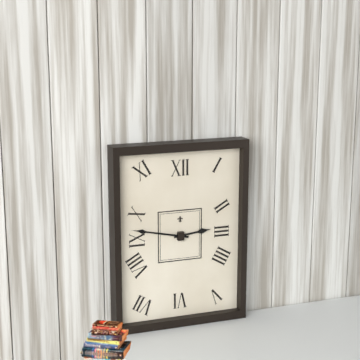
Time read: 2:47
